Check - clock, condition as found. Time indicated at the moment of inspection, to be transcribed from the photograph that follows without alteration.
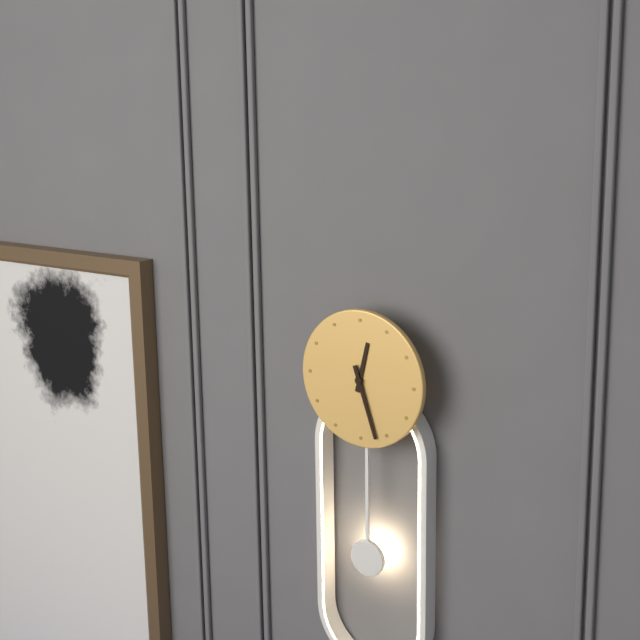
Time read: 12:27
